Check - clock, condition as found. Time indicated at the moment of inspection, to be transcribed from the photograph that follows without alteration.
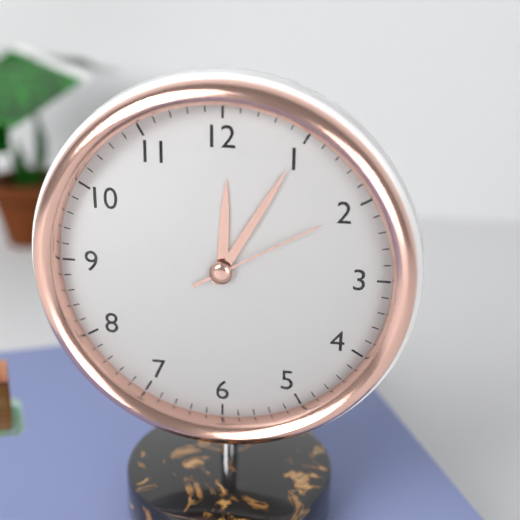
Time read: 12:05:10
